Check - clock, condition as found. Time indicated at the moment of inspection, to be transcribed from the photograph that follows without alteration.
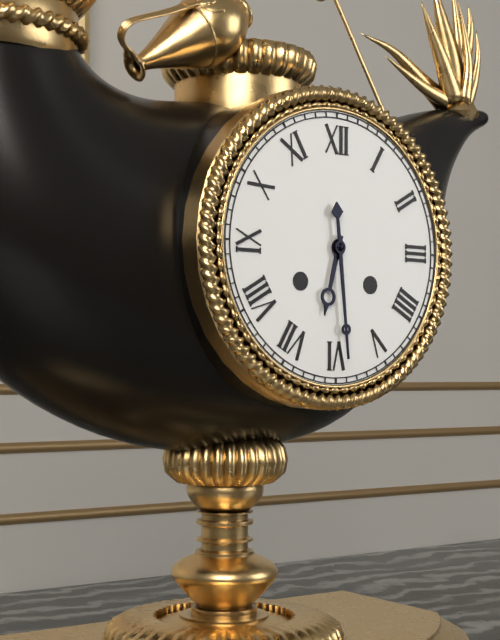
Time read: 6:29
